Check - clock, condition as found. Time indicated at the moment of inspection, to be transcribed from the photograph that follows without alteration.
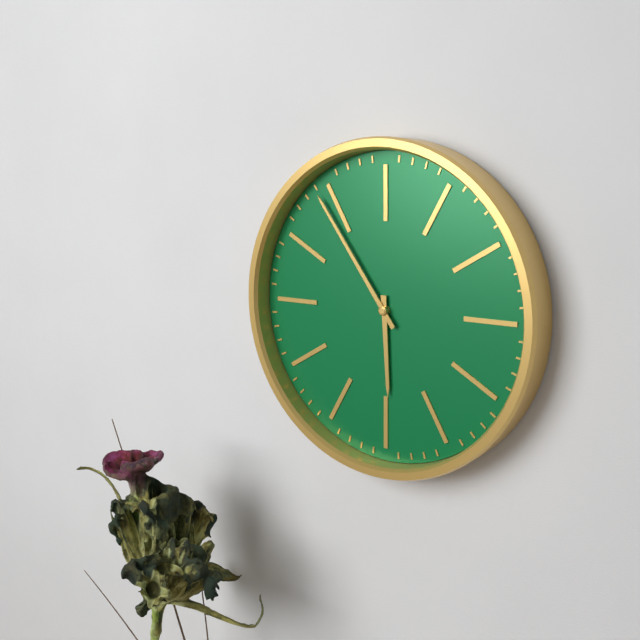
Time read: 5:54
